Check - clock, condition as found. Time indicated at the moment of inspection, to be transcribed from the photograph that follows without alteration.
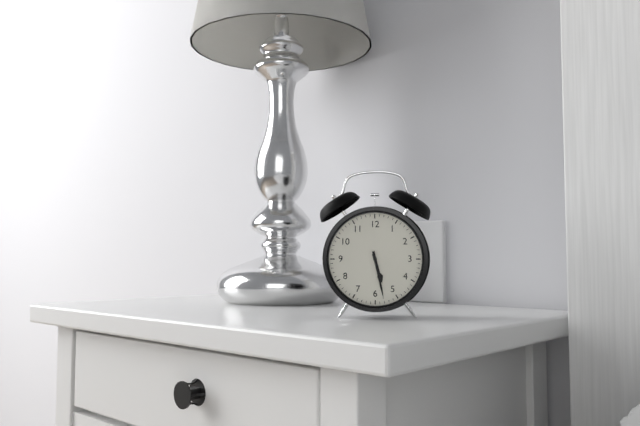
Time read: 5:28
